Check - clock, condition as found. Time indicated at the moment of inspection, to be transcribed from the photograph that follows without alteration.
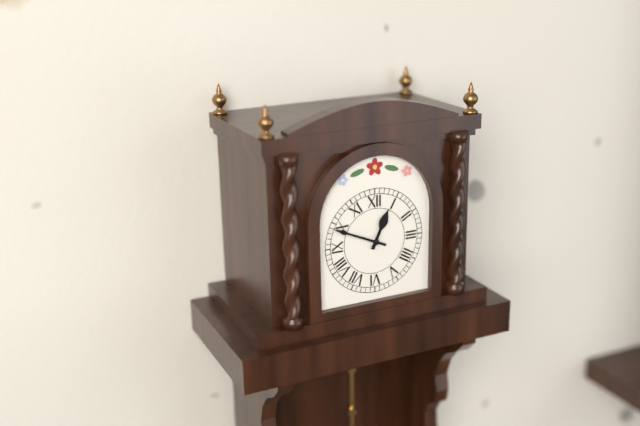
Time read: 12:49
